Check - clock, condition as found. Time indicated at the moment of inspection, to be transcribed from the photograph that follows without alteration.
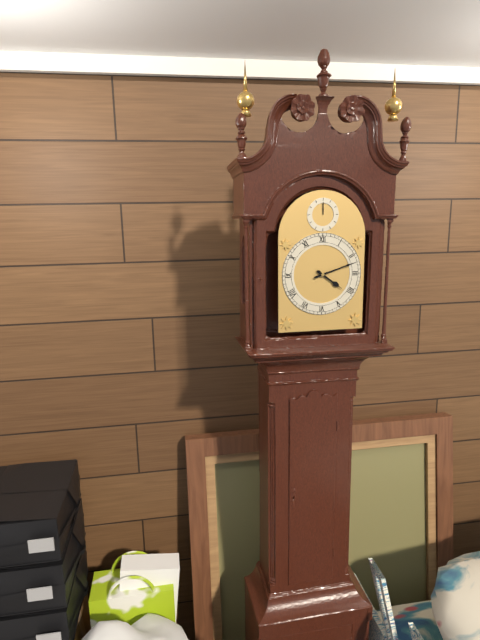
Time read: 4:12
